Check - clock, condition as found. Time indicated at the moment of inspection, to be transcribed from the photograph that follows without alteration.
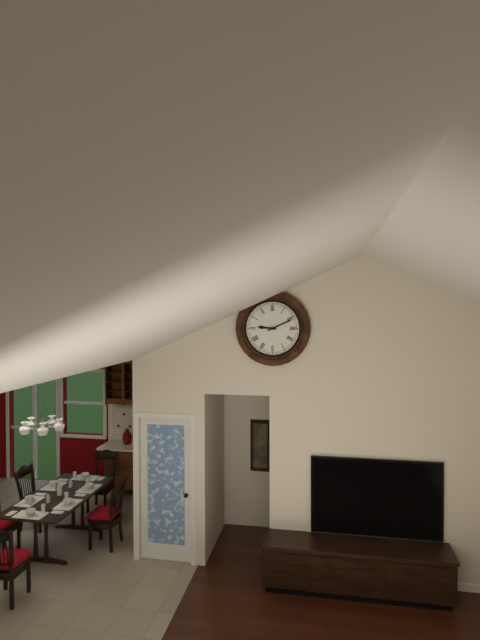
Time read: 9:11
